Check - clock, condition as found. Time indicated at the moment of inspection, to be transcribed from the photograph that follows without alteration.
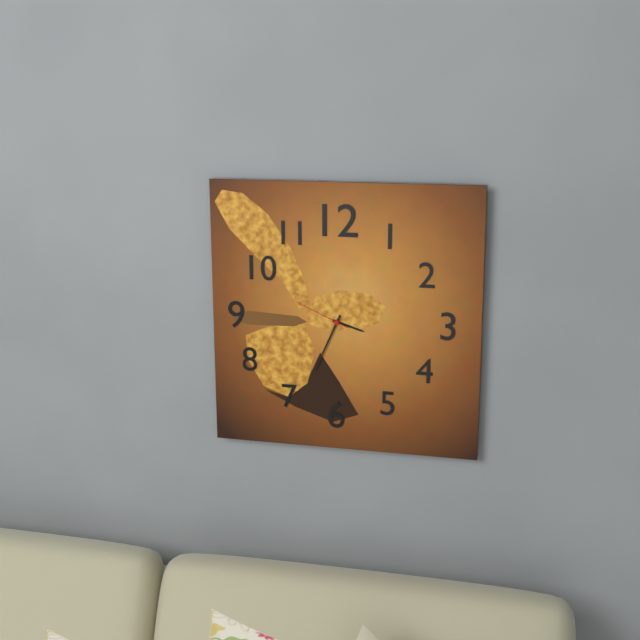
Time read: 3:34:49
